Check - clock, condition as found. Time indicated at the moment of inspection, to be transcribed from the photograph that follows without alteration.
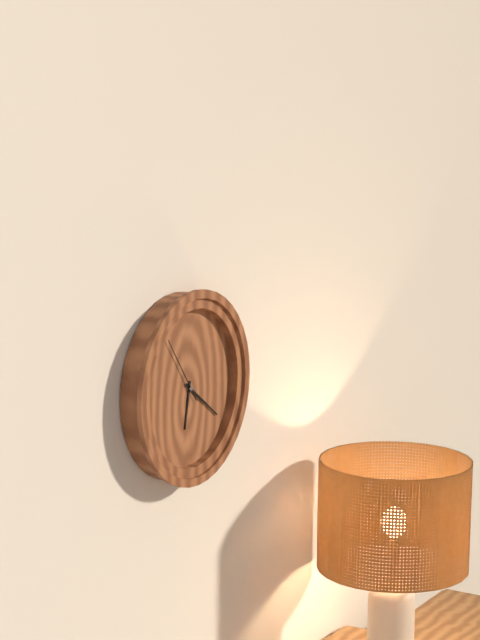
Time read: 6:21:54
